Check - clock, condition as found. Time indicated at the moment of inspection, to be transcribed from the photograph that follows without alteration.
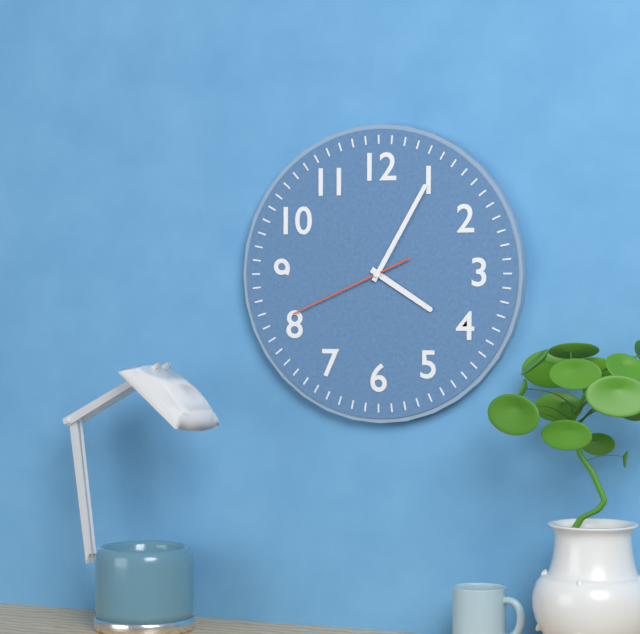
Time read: 4:05:41
